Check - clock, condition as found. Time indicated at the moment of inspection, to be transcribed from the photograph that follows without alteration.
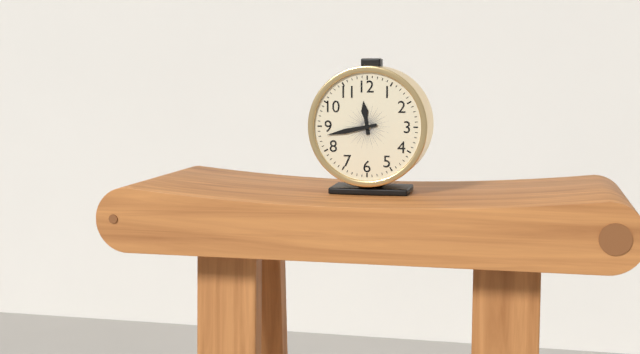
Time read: 11:43
